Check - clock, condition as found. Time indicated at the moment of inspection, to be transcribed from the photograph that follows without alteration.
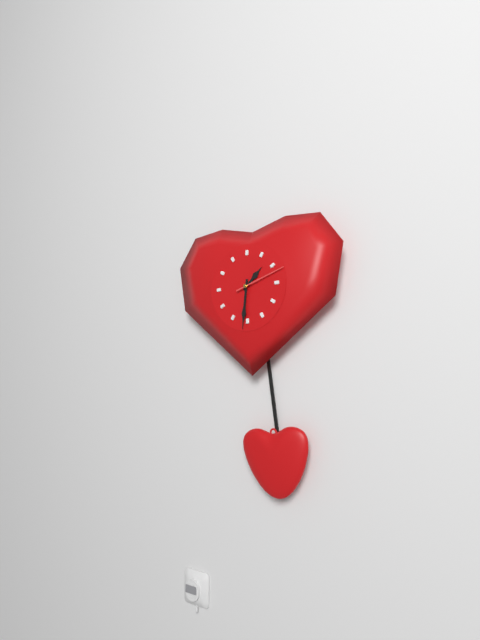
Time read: 1:31:12
